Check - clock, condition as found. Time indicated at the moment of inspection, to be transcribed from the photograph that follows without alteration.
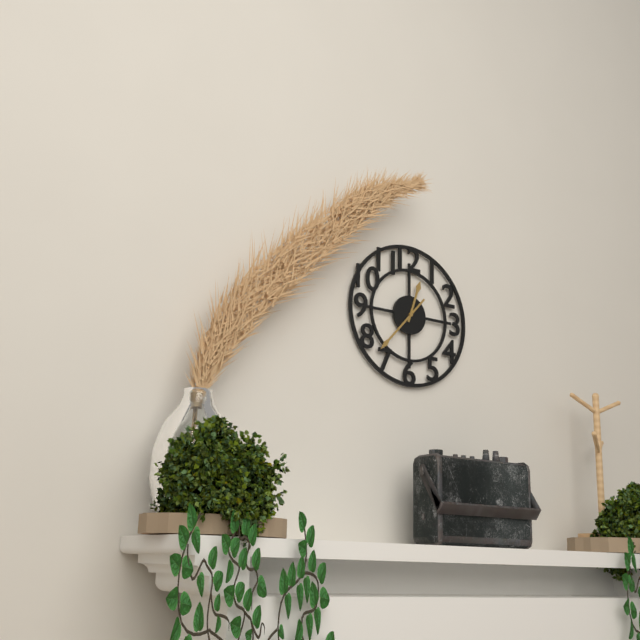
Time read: 12:37
